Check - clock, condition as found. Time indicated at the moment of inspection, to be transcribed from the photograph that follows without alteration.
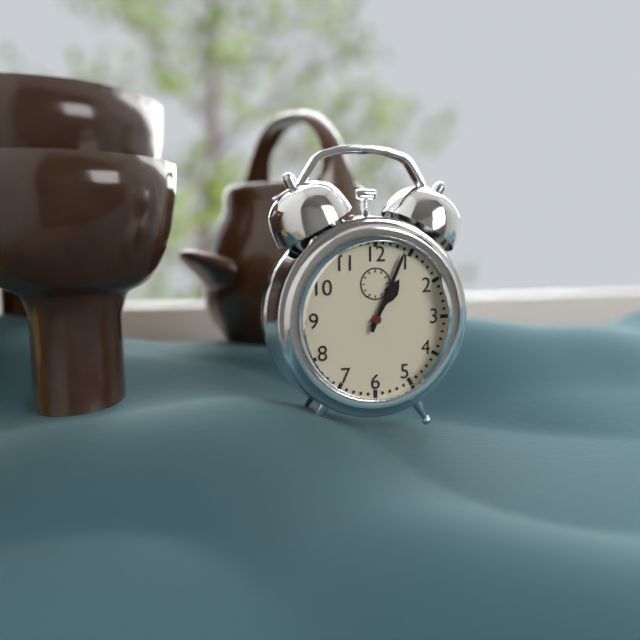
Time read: 1:04
